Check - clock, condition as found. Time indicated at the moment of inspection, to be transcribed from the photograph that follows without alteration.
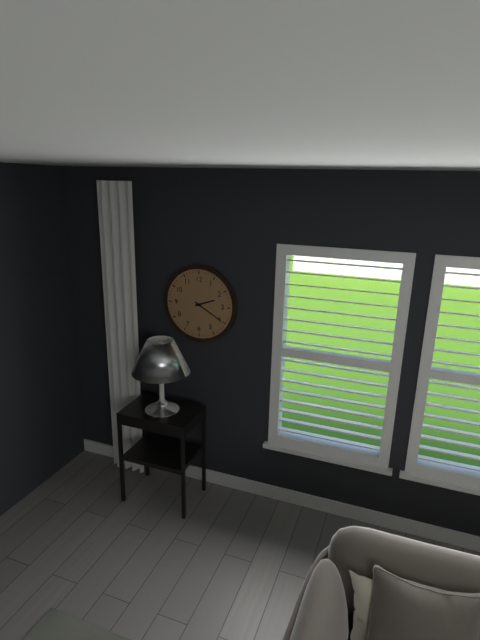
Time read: 2:20
